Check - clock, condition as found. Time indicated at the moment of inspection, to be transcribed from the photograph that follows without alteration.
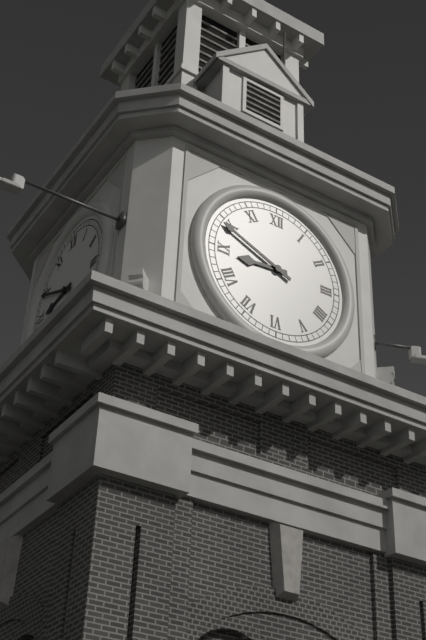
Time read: 8:49
